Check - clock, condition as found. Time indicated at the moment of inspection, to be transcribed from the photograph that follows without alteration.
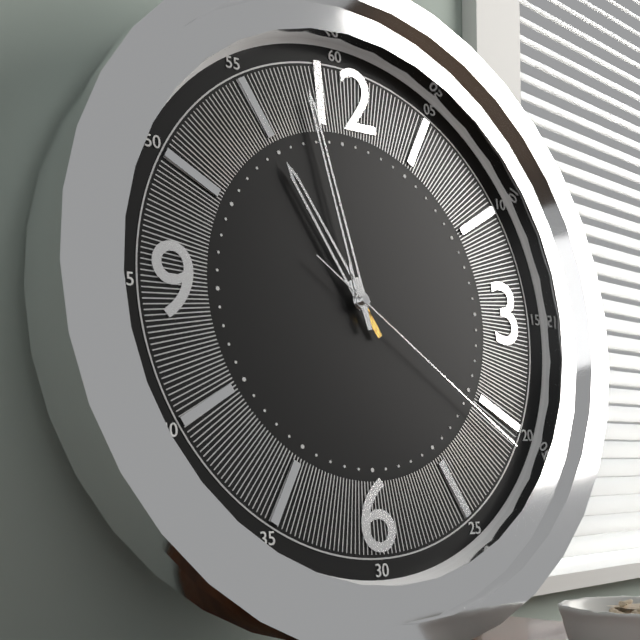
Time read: 10:58:21
